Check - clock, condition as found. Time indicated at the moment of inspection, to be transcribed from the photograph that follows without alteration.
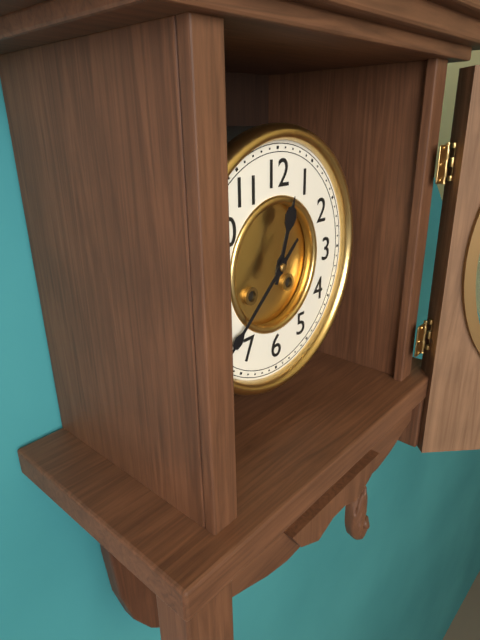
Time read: 12:38
